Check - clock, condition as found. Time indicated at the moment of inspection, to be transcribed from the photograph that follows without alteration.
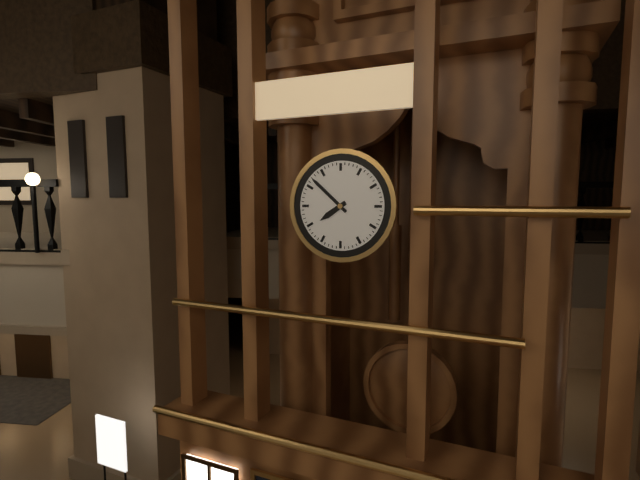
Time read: 7:52
